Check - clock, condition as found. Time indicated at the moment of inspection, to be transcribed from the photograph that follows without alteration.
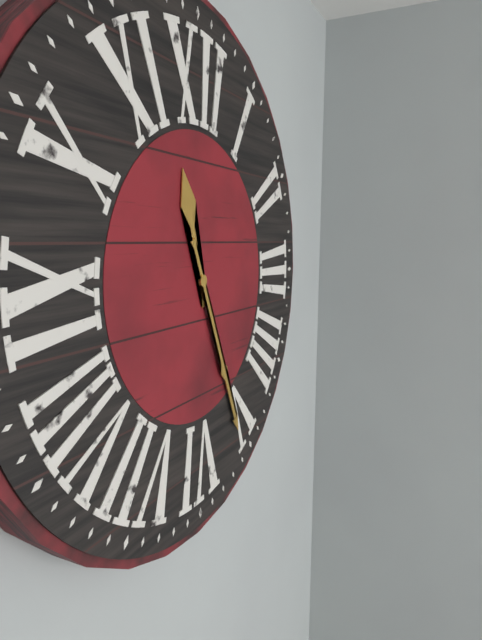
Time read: 11:26
